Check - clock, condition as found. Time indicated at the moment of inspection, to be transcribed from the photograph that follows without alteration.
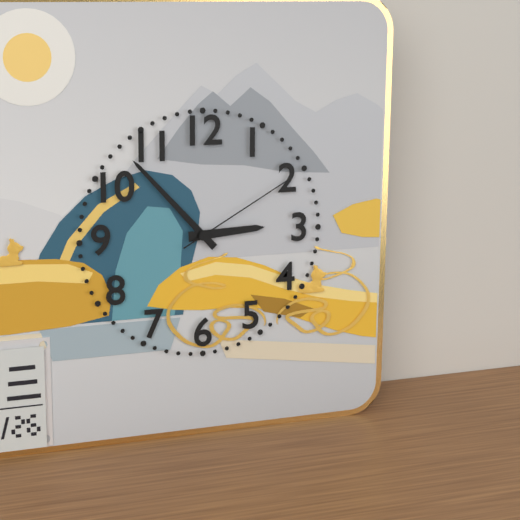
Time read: 2:53:10
